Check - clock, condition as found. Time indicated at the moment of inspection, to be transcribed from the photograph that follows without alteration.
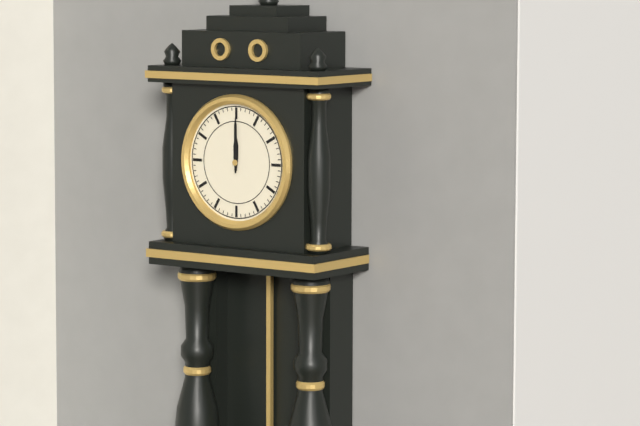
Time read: 12:00
